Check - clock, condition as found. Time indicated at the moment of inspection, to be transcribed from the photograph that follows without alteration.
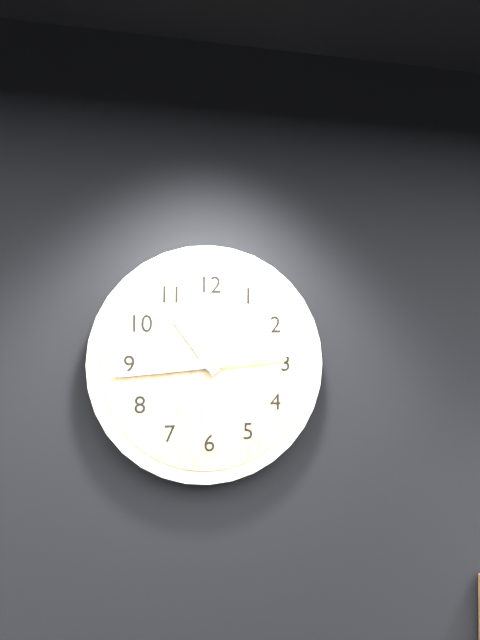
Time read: 10:44:14
